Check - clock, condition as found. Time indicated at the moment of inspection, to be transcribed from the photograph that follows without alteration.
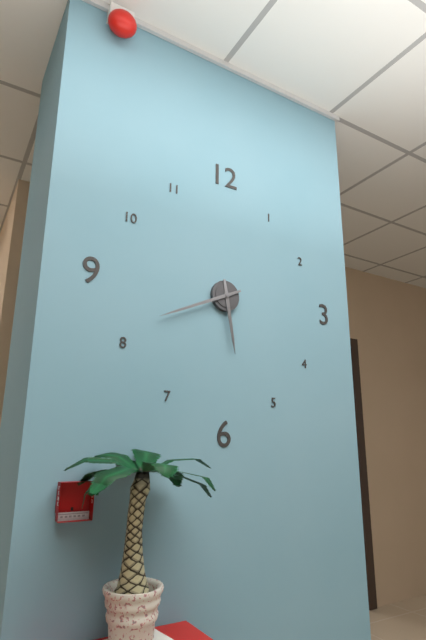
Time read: 5:41
